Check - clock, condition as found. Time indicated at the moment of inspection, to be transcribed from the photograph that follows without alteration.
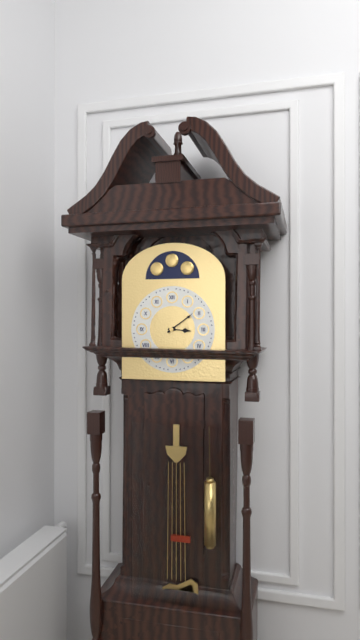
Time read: 3:09
